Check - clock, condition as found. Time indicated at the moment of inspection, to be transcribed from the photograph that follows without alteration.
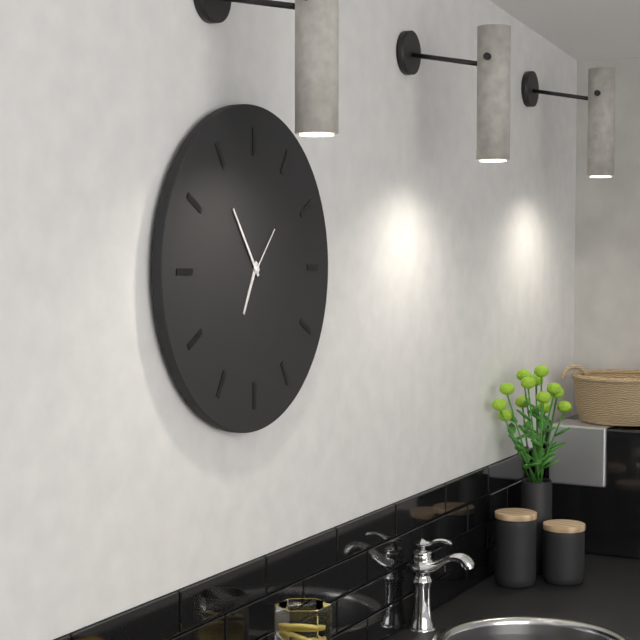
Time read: 6:54:07
